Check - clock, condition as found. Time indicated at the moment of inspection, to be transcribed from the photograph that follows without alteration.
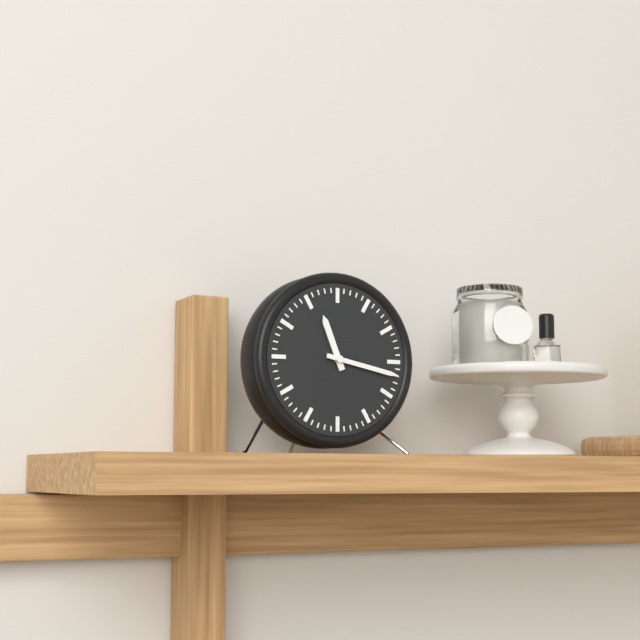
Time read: 11:17
